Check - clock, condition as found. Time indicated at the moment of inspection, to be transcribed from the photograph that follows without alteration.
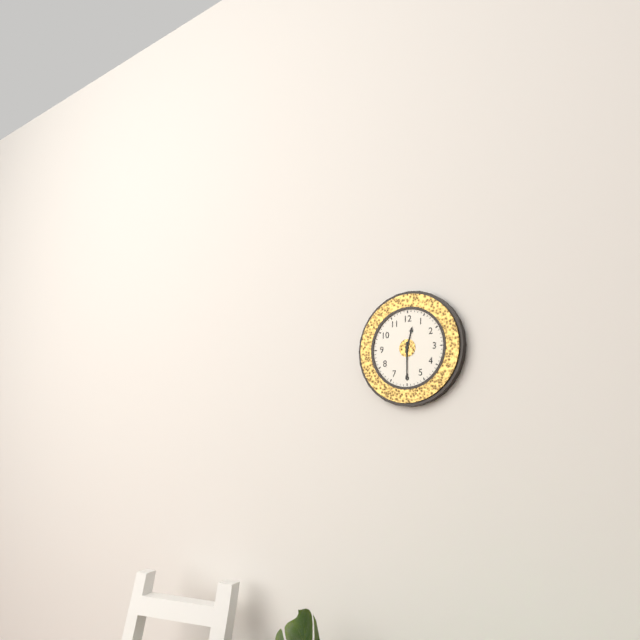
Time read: 12:30
